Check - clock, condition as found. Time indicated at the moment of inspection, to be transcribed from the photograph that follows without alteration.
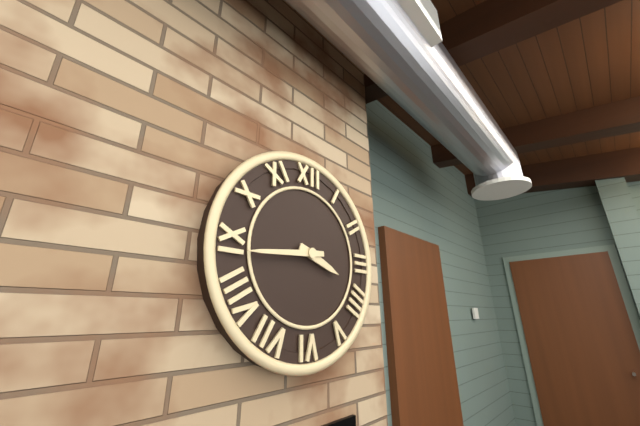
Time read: 3:44
